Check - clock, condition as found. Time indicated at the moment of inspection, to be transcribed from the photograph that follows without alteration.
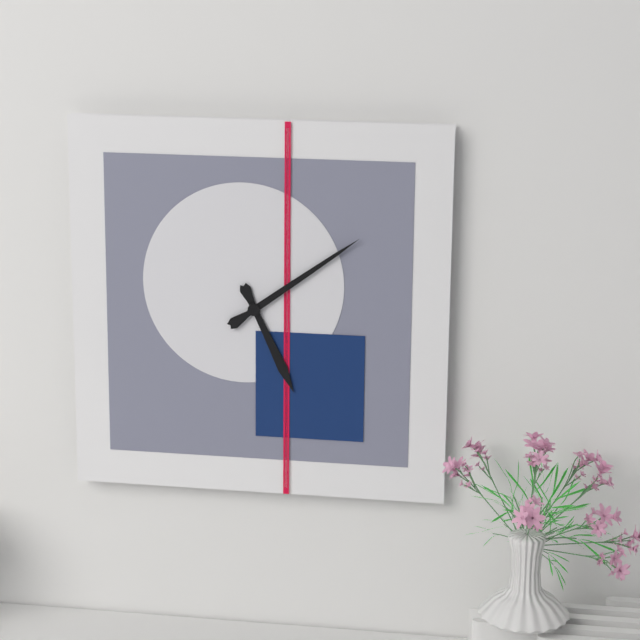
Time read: 5:09
